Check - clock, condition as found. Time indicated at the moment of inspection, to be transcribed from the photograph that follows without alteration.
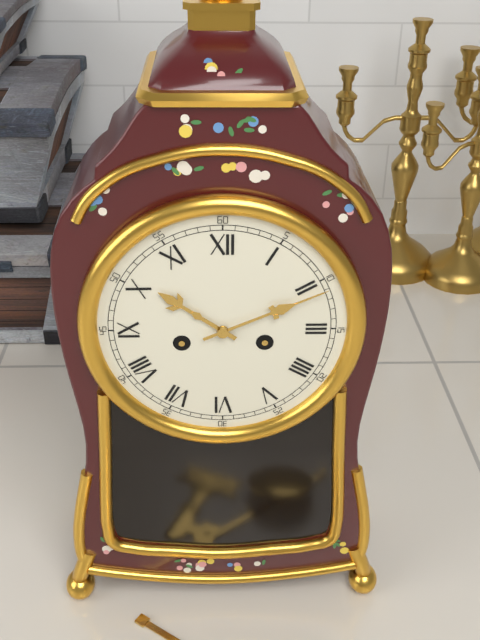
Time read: 10:11
